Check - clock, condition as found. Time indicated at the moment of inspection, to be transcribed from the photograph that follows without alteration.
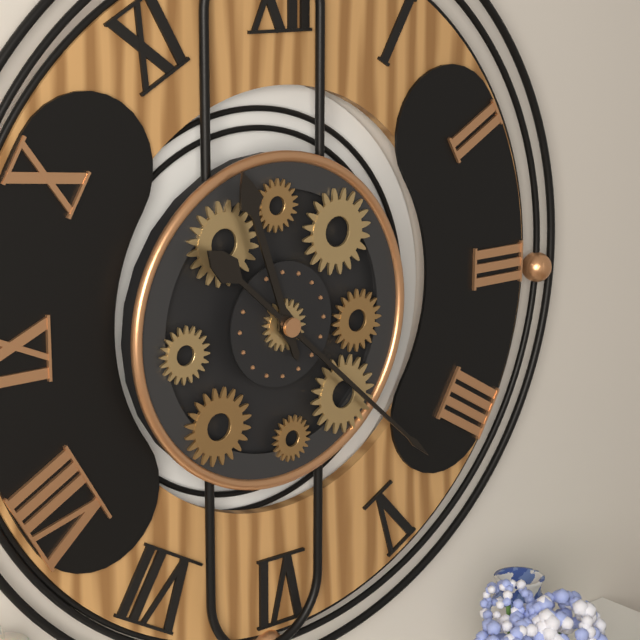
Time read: 11:22
